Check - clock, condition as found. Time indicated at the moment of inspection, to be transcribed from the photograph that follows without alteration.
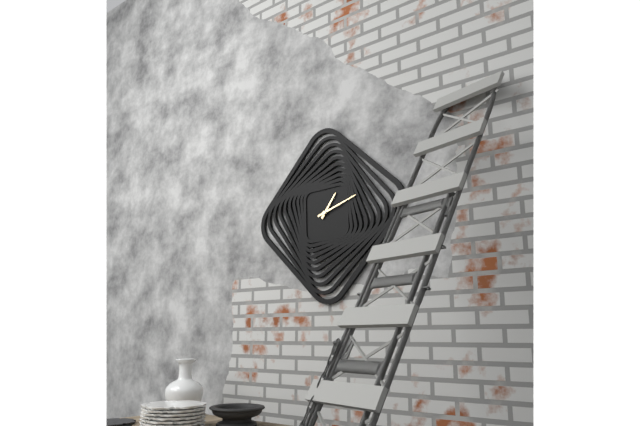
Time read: 1:12
